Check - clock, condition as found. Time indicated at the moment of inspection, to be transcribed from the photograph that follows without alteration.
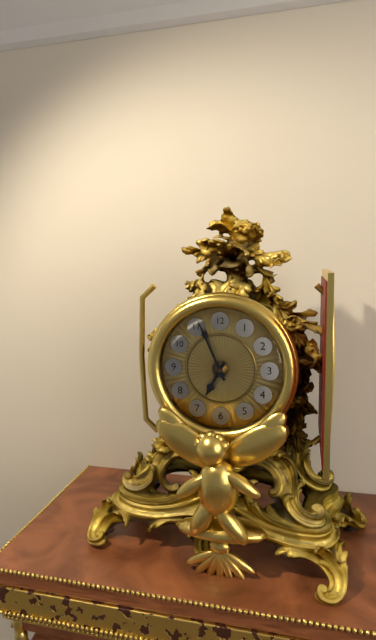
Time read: 6:56
